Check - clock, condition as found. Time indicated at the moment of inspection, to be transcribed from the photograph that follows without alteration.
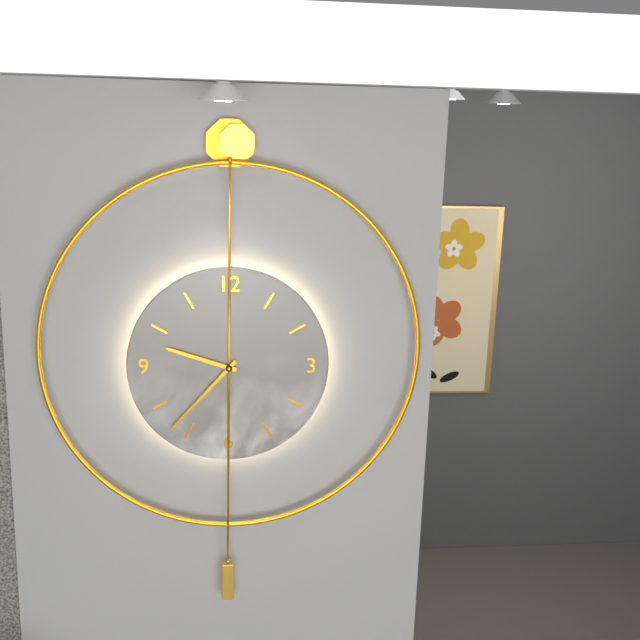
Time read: 9:37
